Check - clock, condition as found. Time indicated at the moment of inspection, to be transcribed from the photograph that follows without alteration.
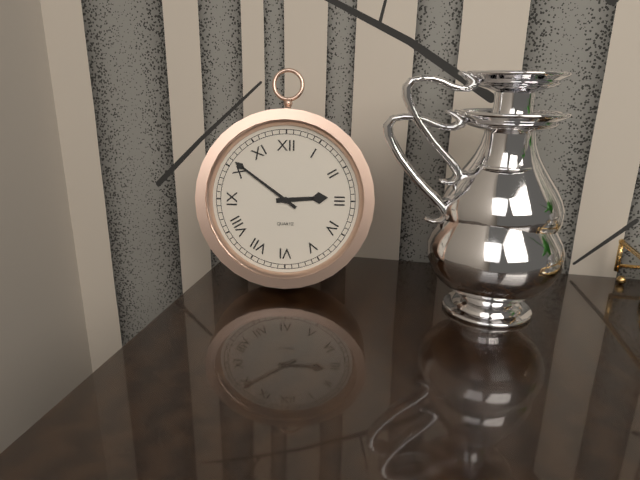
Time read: 2:51
